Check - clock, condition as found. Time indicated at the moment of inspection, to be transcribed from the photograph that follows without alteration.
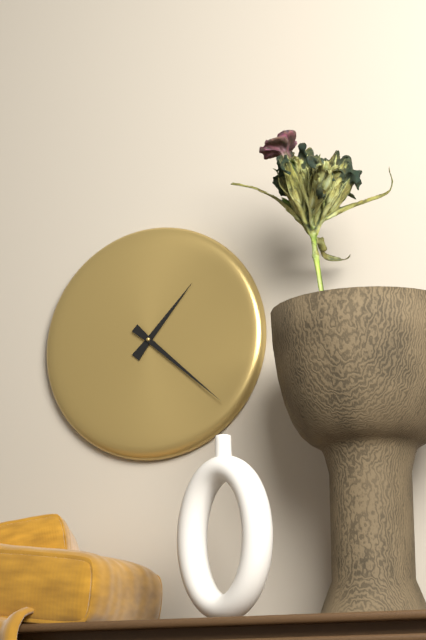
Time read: 1:22
